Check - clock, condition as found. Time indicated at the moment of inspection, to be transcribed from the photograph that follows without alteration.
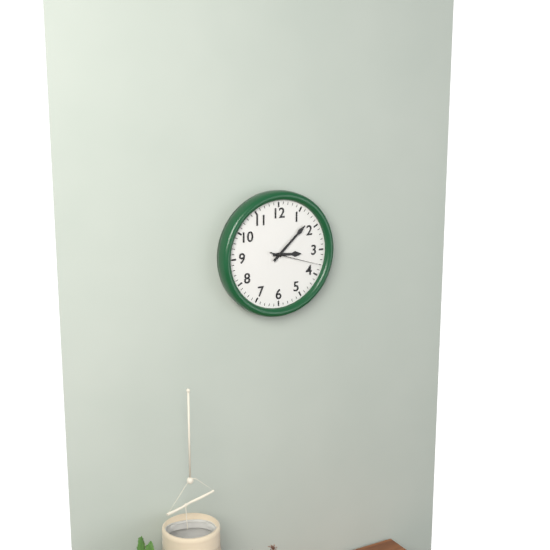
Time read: 3:08:18
